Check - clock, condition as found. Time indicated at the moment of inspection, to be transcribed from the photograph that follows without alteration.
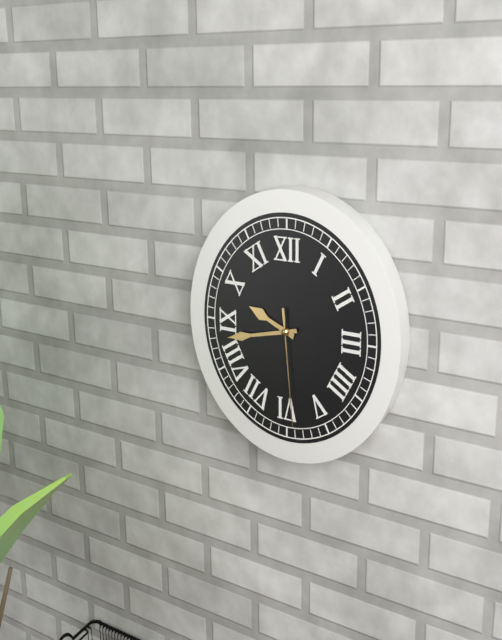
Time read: 9:43:29
